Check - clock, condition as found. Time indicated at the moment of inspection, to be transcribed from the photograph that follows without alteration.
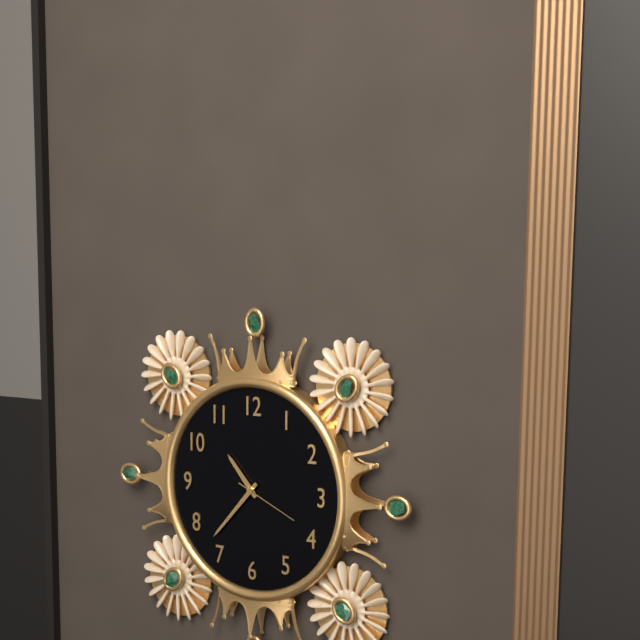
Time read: 10:37:19
